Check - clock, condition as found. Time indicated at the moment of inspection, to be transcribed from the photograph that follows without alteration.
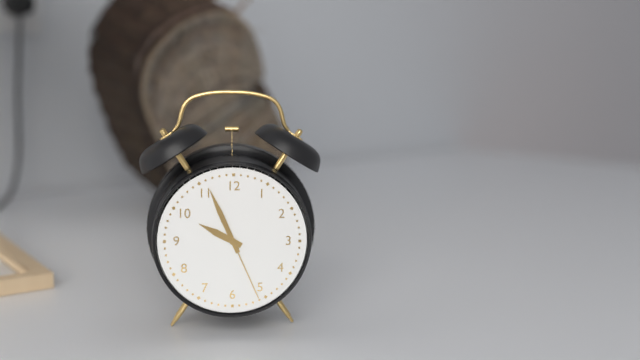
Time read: 9:56:26
